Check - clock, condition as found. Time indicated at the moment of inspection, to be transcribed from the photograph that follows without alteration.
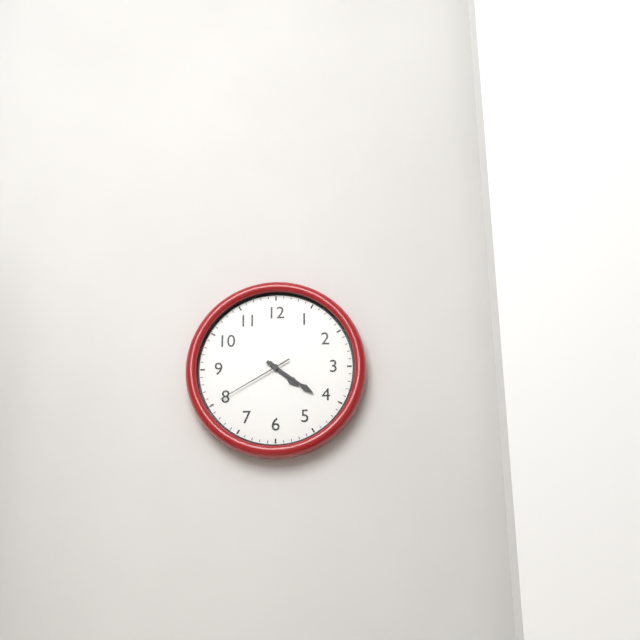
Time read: 4:21:40
